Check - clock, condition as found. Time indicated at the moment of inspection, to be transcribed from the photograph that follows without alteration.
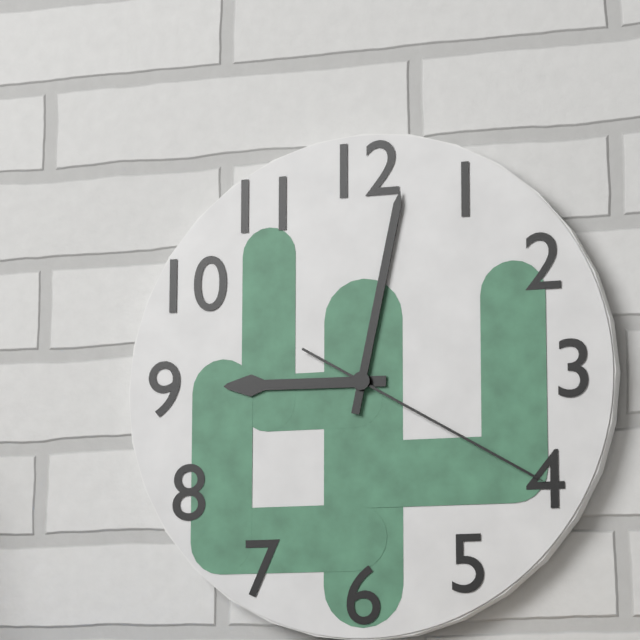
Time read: 9:02:20
